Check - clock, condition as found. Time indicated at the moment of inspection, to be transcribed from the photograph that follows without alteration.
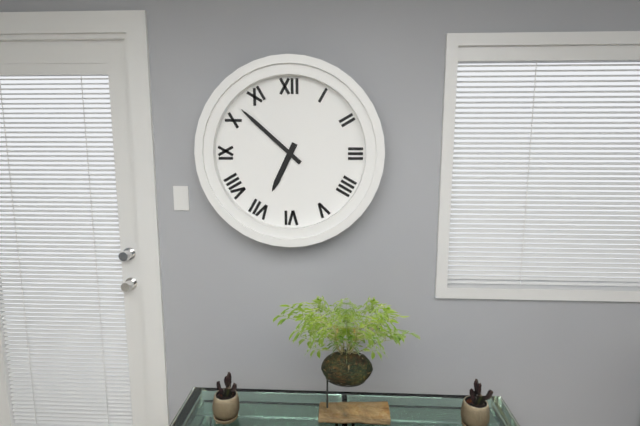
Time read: 6:52
